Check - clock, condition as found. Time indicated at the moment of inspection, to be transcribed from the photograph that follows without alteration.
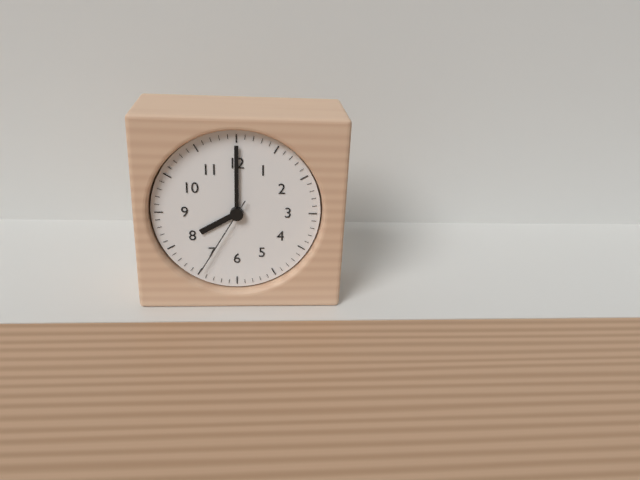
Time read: 8:00:35
